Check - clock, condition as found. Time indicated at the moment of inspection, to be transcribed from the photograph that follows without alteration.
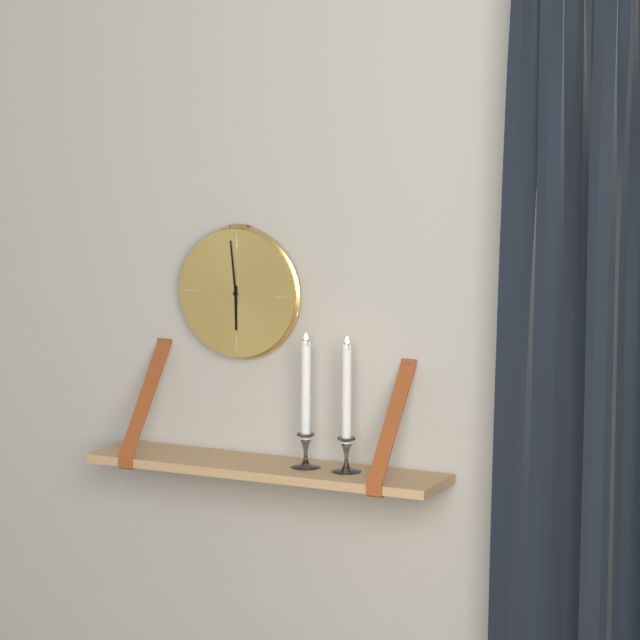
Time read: 5:59
